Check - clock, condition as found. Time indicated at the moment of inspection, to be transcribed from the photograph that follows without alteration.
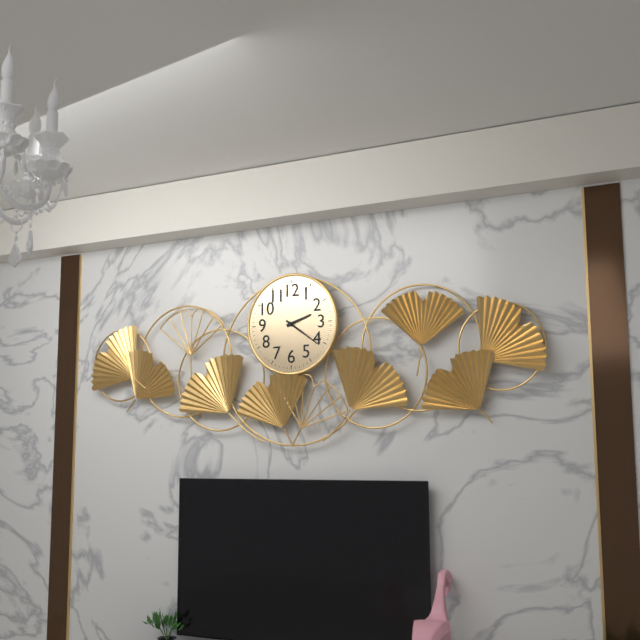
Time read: 2:21
